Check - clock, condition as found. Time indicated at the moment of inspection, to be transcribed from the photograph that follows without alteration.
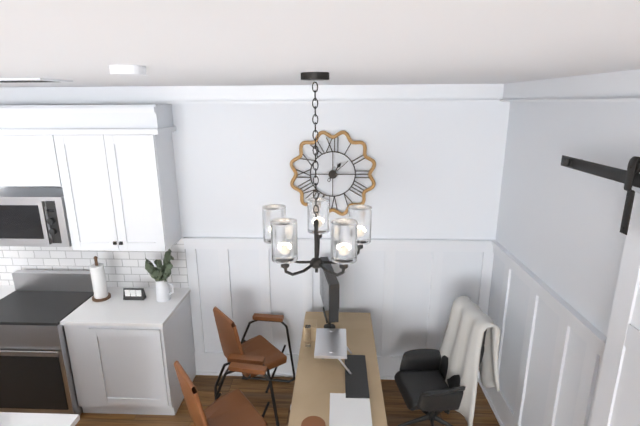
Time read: 1:08
